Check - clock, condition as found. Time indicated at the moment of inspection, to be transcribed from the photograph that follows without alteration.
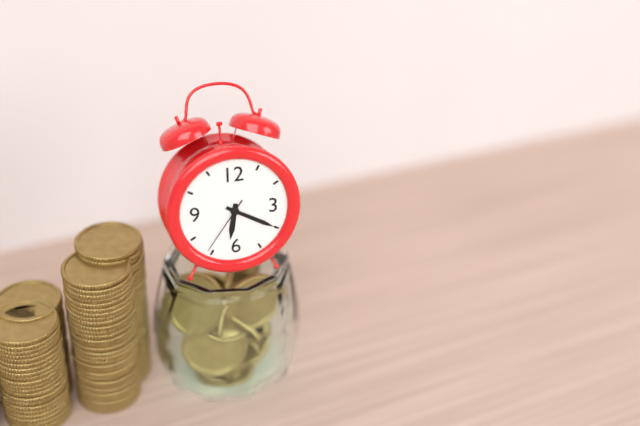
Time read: 6:20:36
